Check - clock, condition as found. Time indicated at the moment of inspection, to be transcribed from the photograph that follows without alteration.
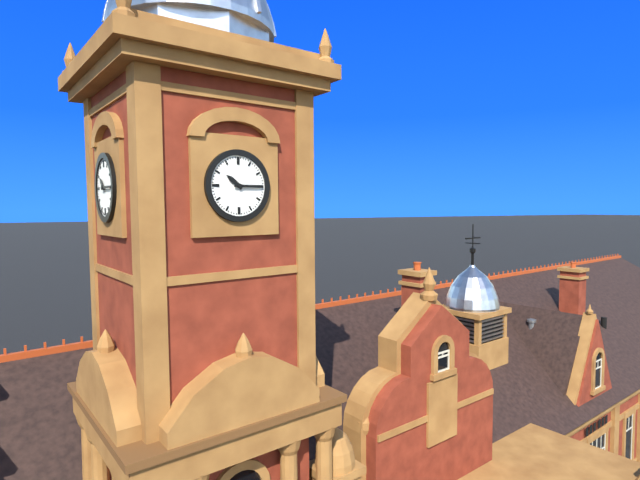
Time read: 10:15
